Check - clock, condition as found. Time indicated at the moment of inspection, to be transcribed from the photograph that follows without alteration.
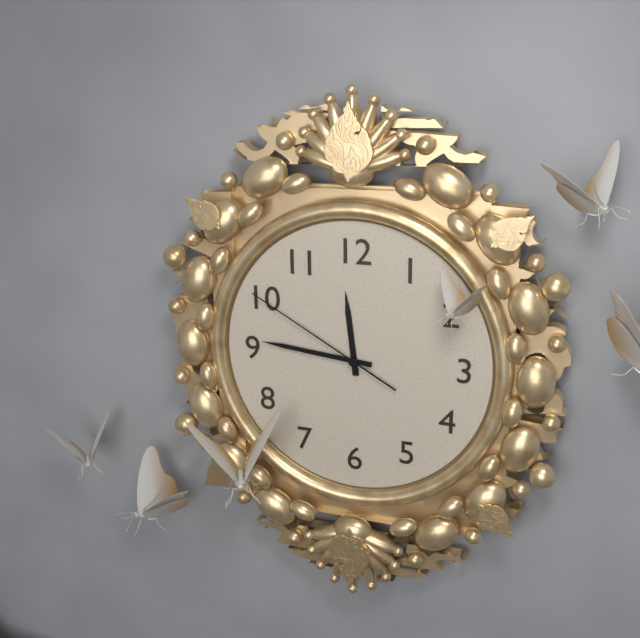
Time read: 11:46:50
